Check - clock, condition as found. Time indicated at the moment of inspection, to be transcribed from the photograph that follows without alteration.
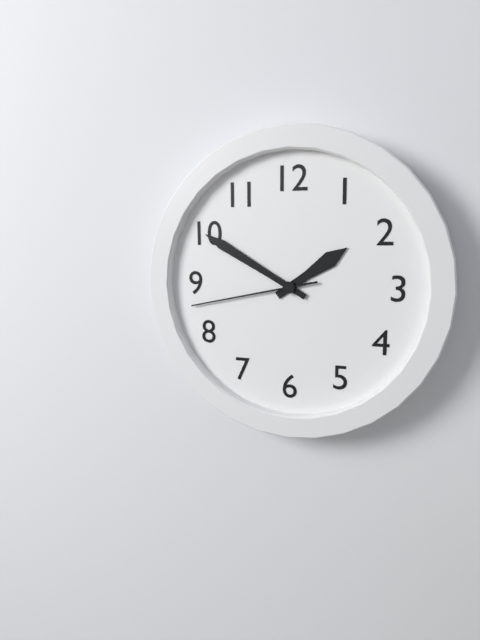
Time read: 1:50:43
